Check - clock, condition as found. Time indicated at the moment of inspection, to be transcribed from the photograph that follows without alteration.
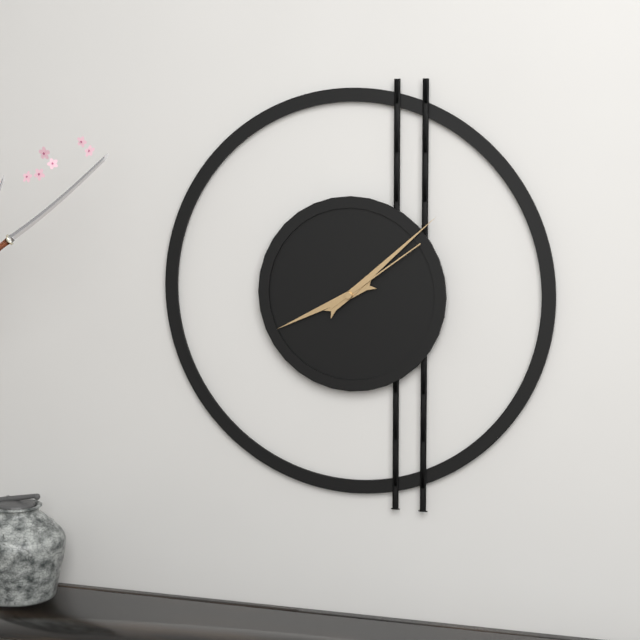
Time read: 8:08:09
